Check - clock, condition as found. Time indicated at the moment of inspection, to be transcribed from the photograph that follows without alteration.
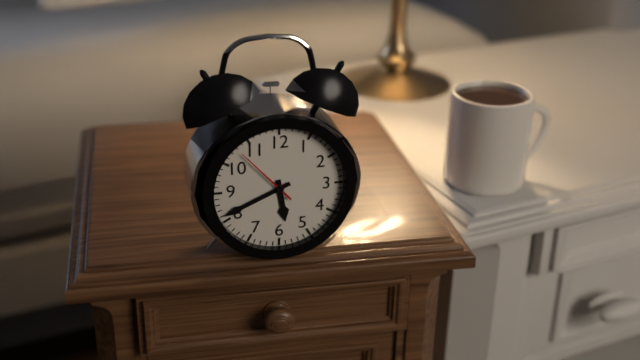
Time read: 5:41:53
